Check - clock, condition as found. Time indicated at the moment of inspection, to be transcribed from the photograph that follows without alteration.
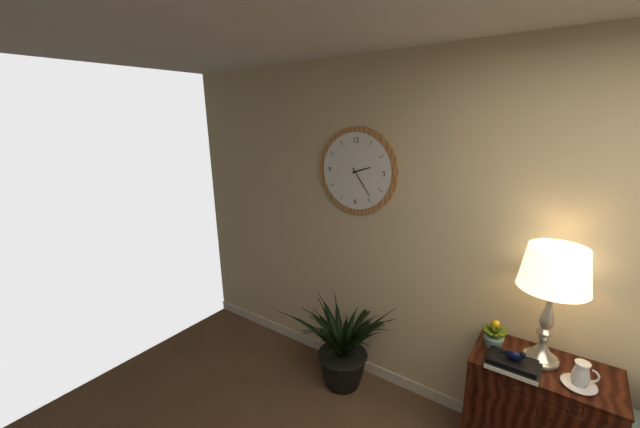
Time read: 2:24
